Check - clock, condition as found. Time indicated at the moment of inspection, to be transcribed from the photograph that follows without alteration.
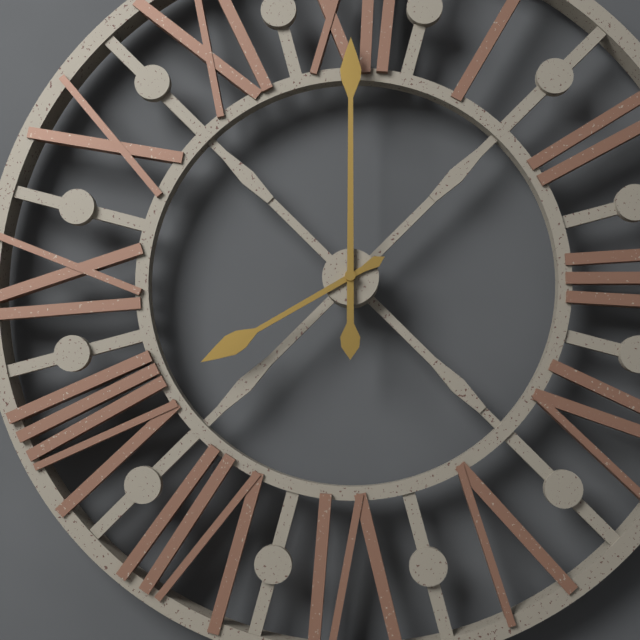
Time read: 8:00
